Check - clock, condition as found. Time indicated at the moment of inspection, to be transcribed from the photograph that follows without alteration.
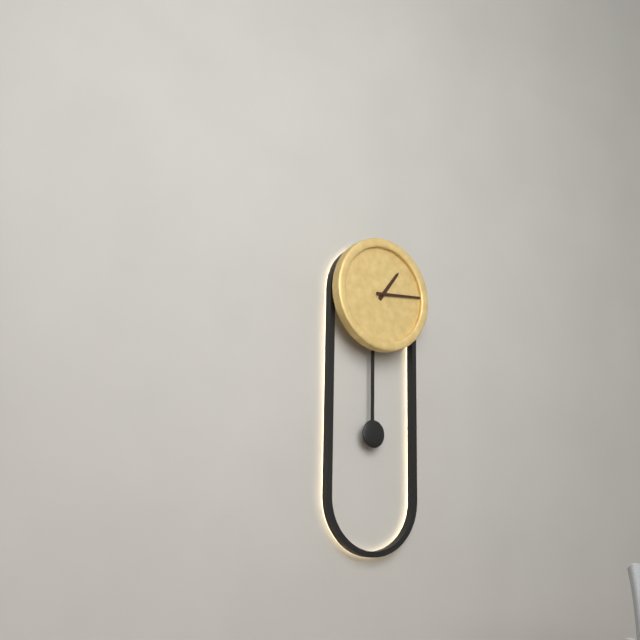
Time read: 1:14
